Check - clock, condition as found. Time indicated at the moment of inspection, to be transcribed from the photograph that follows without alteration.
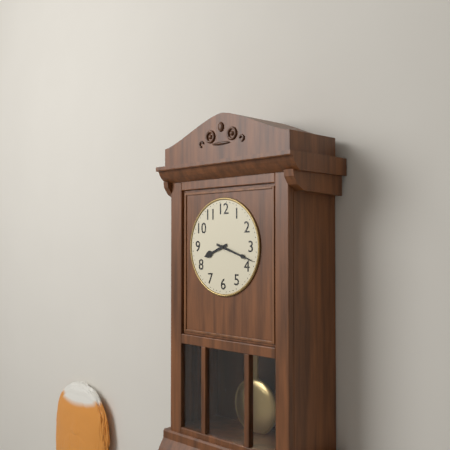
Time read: 8:18
